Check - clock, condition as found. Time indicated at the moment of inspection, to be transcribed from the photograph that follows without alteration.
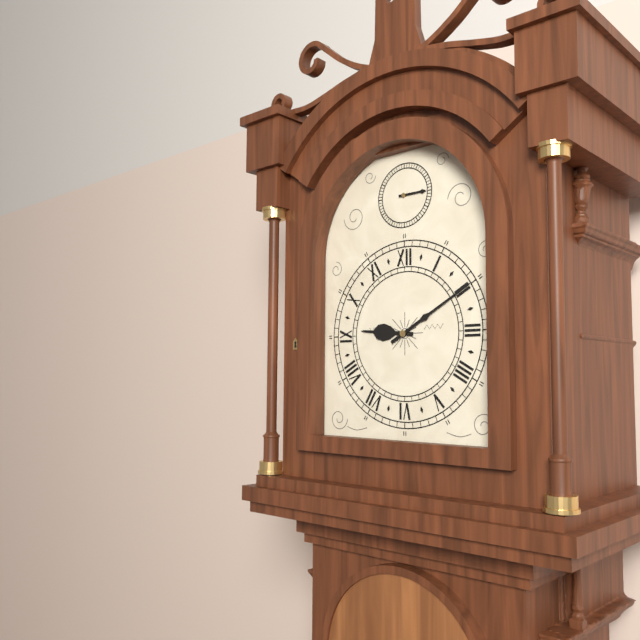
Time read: 9:10
